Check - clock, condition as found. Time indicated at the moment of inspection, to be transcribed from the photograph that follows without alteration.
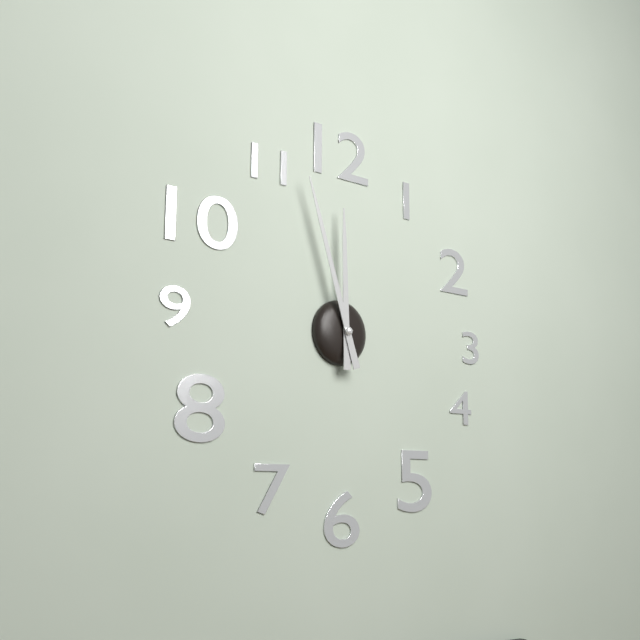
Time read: 11:57
